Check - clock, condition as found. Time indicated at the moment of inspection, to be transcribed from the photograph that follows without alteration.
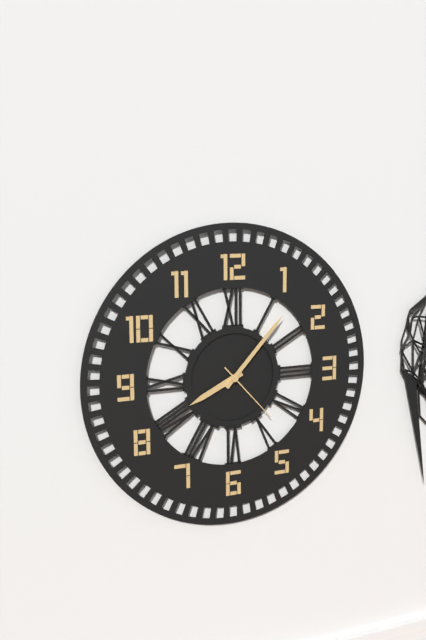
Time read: 8:07:23
